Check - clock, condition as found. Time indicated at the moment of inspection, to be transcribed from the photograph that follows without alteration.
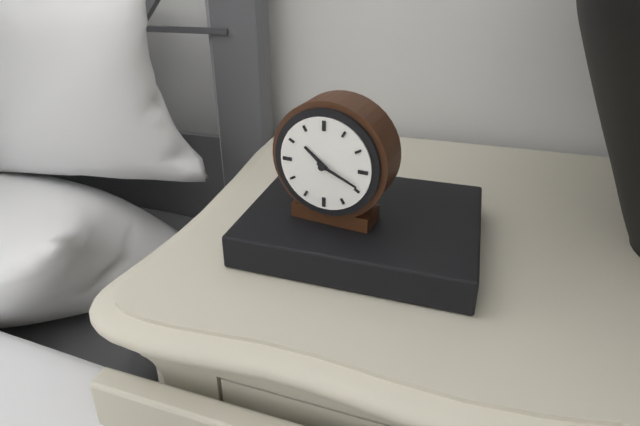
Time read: 10:19
